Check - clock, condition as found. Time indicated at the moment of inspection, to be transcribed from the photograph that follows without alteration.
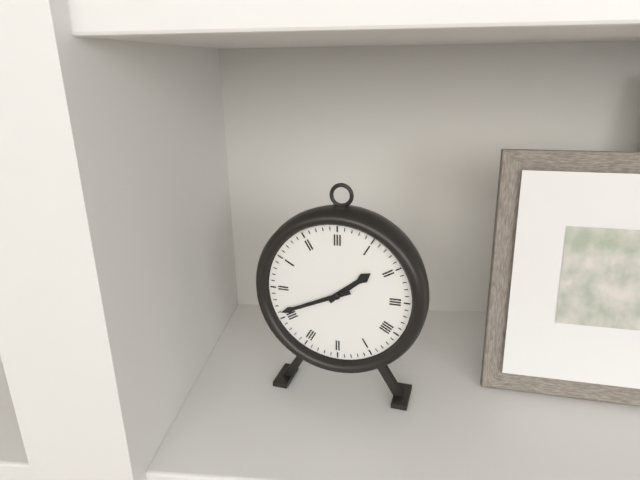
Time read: 1:41
